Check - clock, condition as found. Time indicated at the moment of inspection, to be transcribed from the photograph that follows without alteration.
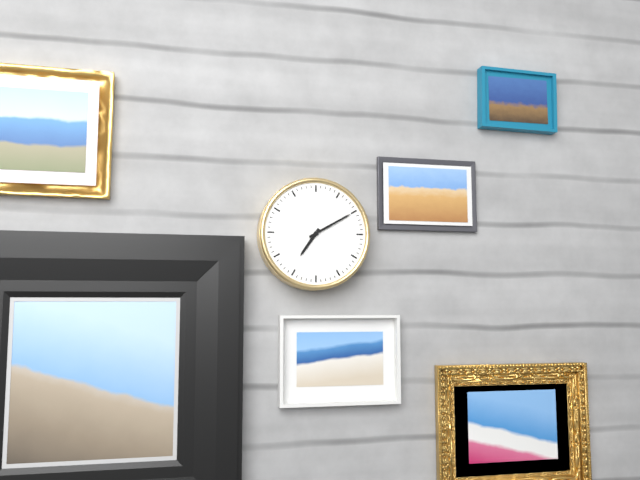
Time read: 7:10
